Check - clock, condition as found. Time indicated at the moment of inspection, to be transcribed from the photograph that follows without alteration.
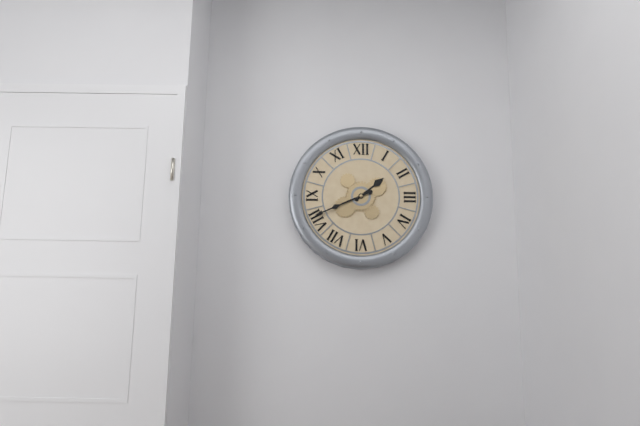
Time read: 1:41
